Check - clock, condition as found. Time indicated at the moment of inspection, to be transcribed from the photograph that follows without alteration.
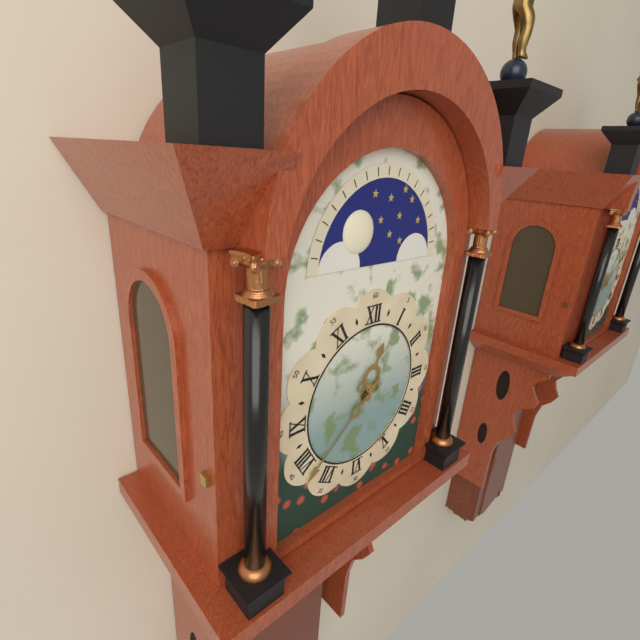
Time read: 12:38
